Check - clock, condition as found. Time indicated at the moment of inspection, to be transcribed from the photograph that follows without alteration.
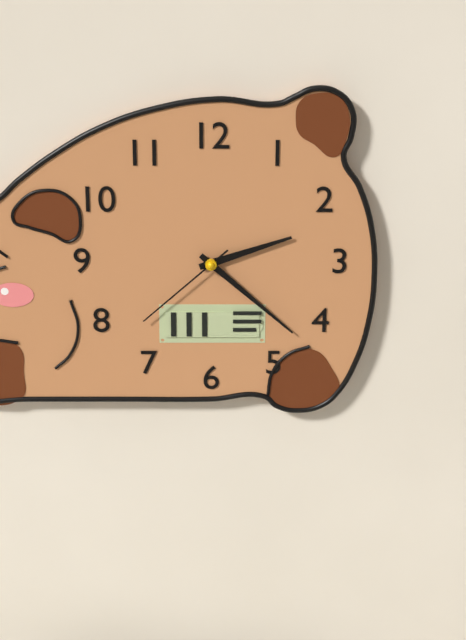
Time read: 2:22:38
